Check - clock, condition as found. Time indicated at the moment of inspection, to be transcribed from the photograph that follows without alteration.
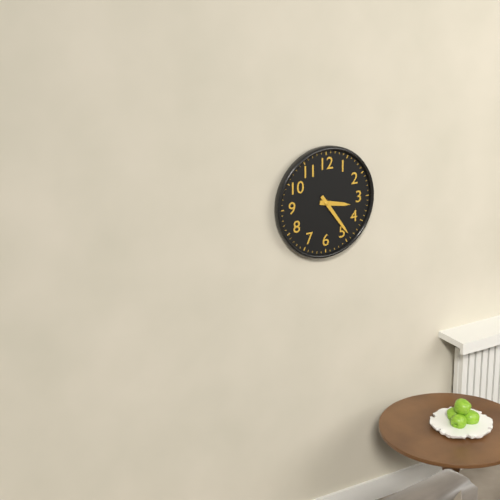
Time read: 3:24
